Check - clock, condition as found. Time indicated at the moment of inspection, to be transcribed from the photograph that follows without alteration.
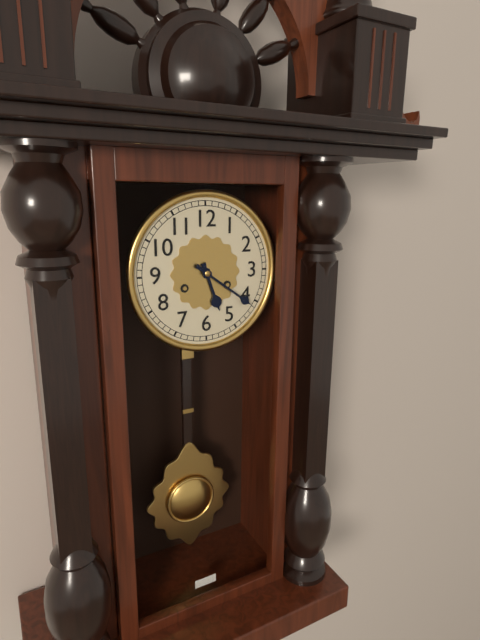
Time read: 5:21
